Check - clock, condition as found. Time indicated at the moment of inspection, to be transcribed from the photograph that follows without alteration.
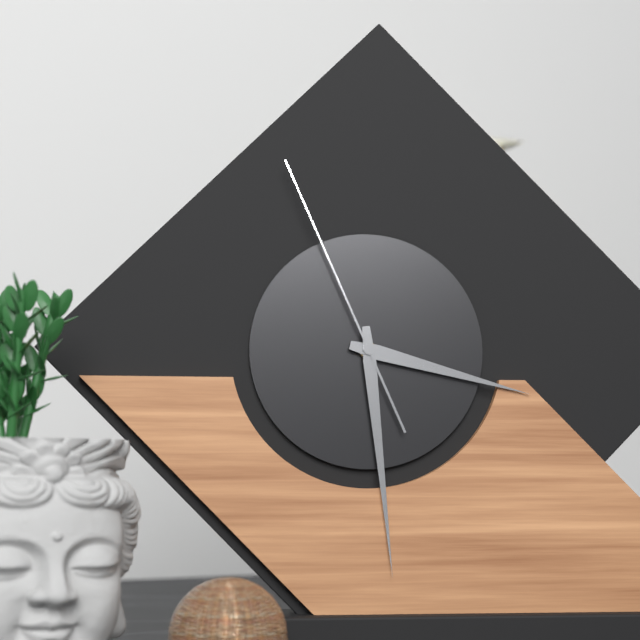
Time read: 3:29:56
